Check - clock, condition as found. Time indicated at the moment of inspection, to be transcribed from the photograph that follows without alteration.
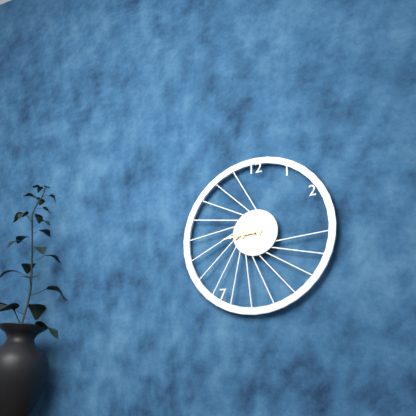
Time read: 9:44
